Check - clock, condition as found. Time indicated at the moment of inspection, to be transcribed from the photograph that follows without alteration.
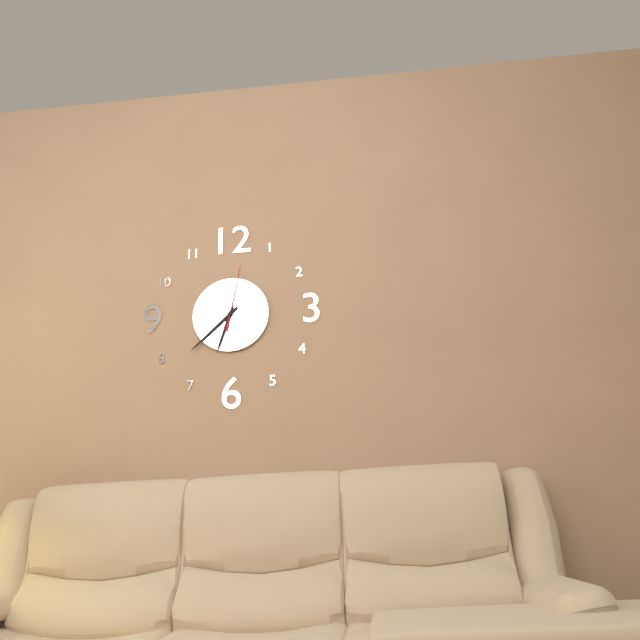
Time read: 6:38:02
